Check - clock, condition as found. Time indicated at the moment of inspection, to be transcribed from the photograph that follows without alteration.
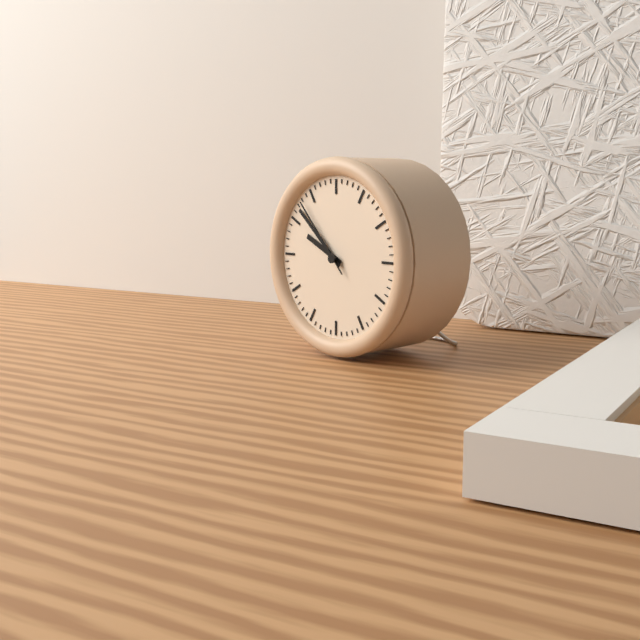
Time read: 9:52:53
